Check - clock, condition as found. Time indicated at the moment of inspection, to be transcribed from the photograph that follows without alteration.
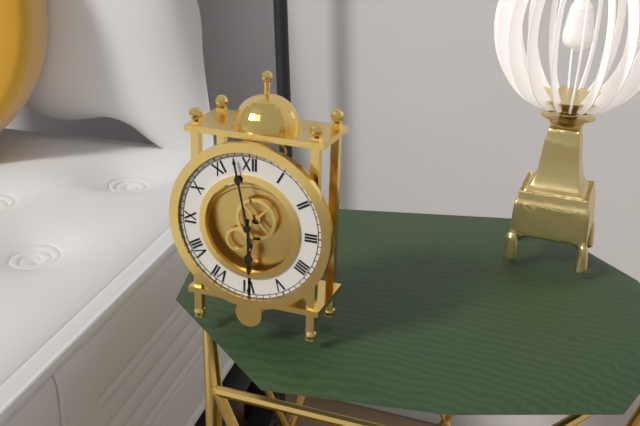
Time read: 5:58
